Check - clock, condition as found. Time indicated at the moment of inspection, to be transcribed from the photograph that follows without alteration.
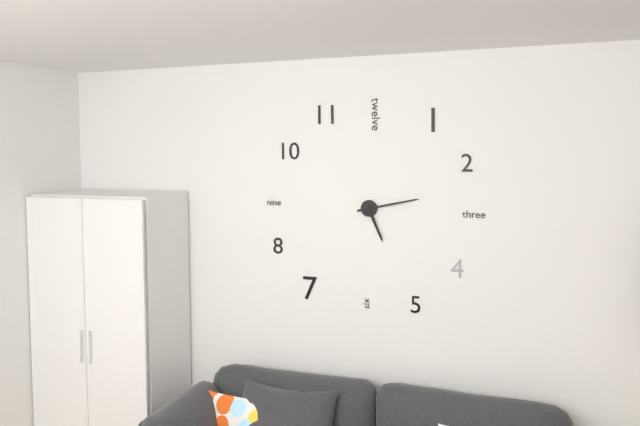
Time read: 5:13
